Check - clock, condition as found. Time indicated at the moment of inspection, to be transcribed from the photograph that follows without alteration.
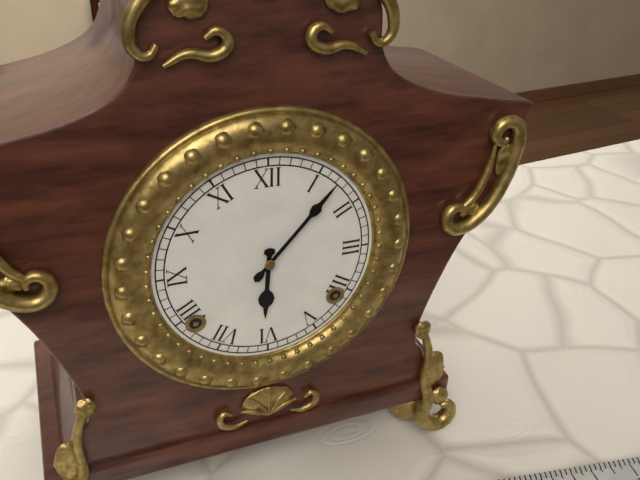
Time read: 6:07
